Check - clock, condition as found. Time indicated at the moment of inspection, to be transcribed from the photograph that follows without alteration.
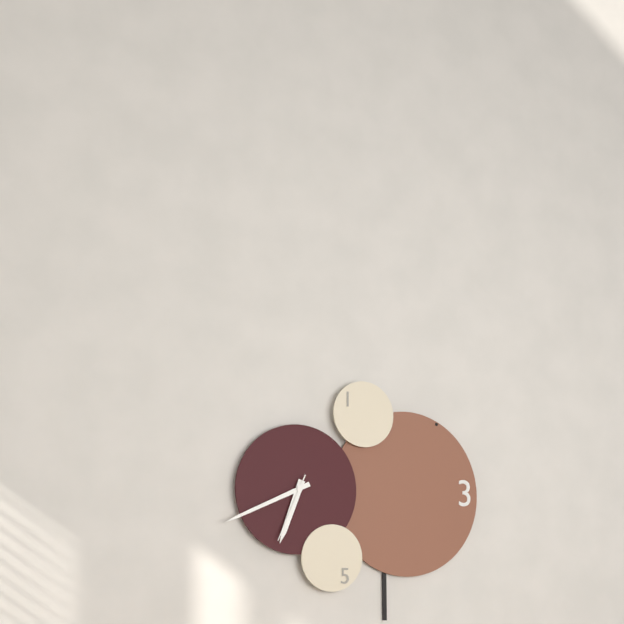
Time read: 6:41:34
